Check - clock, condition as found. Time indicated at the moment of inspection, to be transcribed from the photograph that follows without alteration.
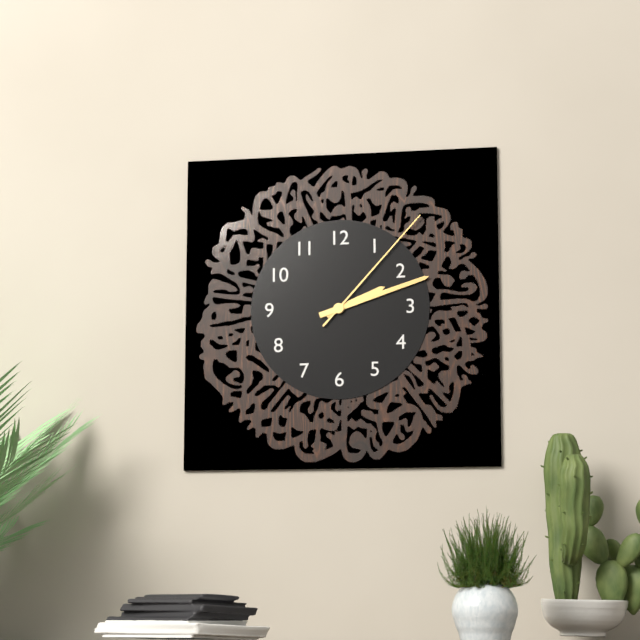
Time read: 2:12:07
